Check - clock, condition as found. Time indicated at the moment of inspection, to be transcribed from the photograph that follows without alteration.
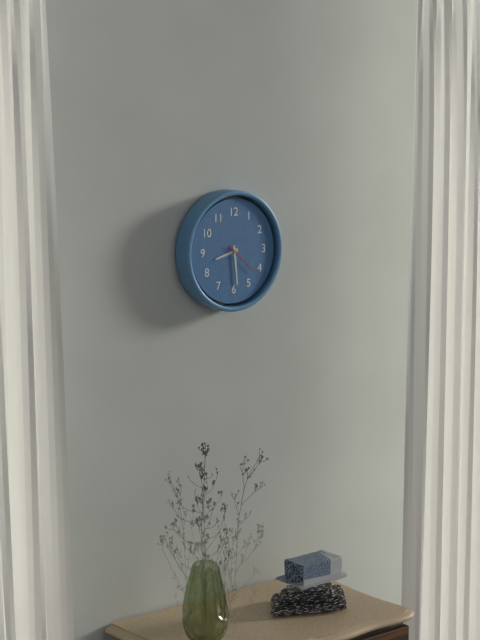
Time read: 8:29
